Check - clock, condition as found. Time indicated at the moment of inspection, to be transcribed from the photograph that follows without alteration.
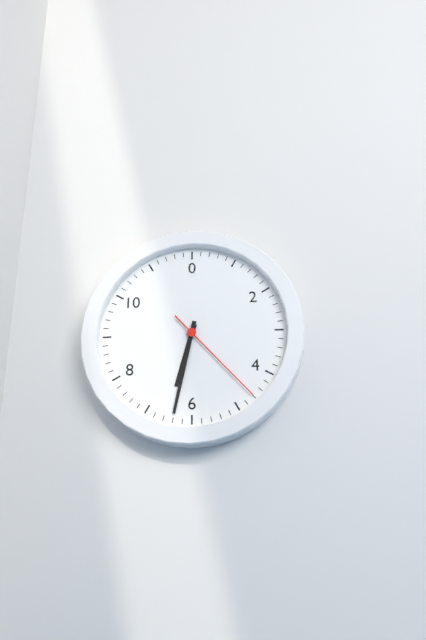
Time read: 6:32:23
